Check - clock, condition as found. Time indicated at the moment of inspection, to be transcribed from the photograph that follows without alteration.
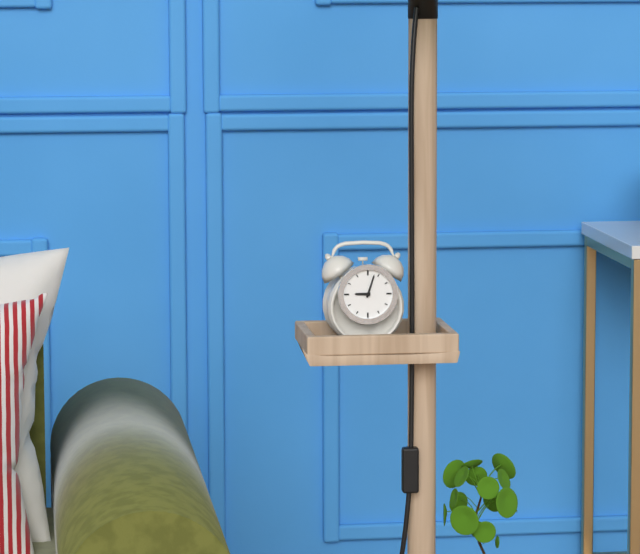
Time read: 9:03
